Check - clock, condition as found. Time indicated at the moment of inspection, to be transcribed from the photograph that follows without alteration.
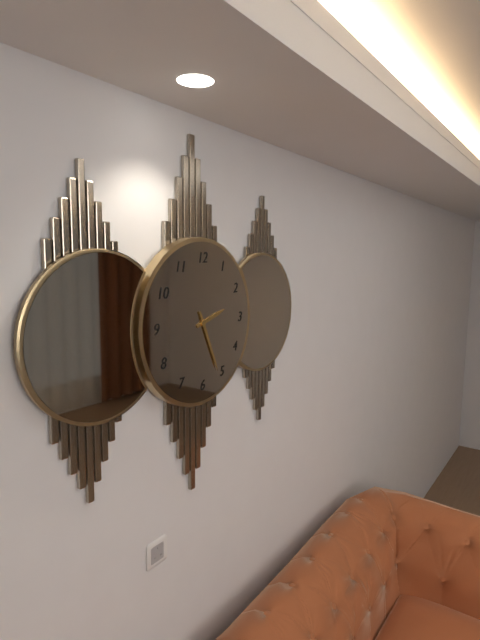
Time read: 2:26
